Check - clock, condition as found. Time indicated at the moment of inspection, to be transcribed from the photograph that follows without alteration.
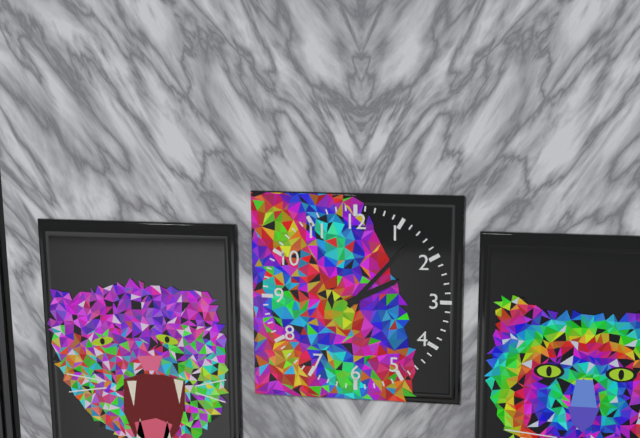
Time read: 2:07
